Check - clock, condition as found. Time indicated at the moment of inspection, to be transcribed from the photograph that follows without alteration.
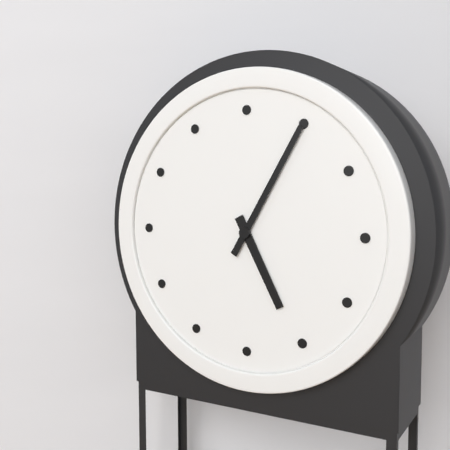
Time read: 5:05
